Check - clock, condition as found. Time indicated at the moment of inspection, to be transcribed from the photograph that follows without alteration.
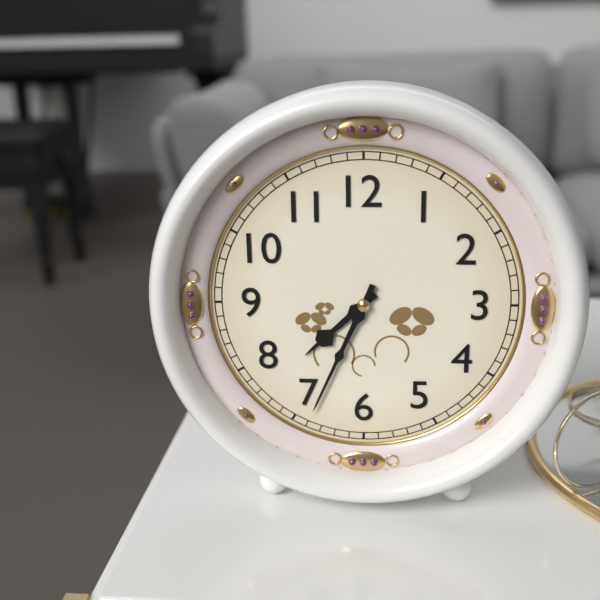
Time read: 7:34
